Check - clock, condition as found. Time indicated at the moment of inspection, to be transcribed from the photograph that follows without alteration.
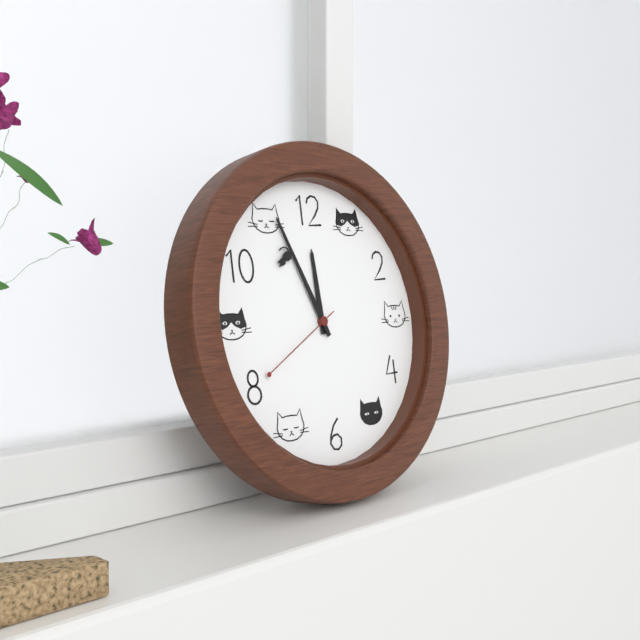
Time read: 11:56:40
